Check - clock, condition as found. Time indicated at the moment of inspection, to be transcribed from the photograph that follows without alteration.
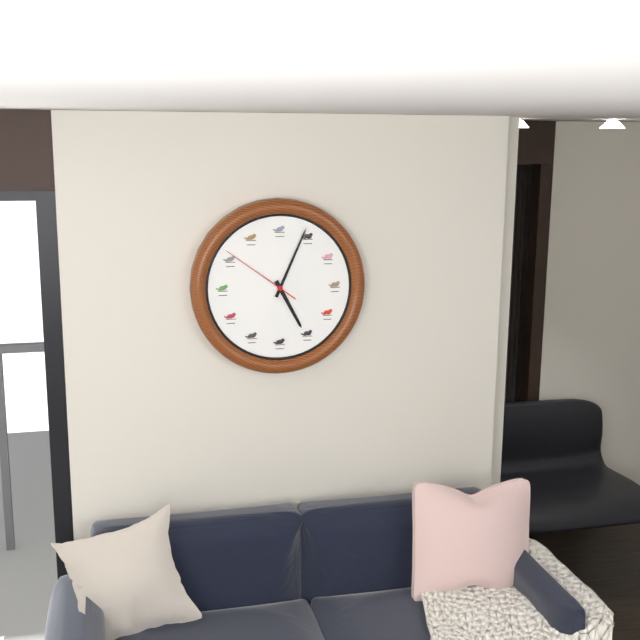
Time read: 5:04:51
